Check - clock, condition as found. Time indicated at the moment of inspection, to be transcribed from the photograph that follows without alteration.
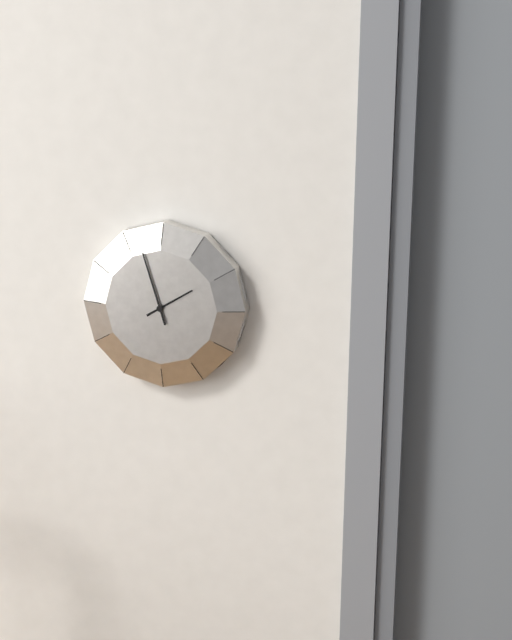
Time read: 1:57
